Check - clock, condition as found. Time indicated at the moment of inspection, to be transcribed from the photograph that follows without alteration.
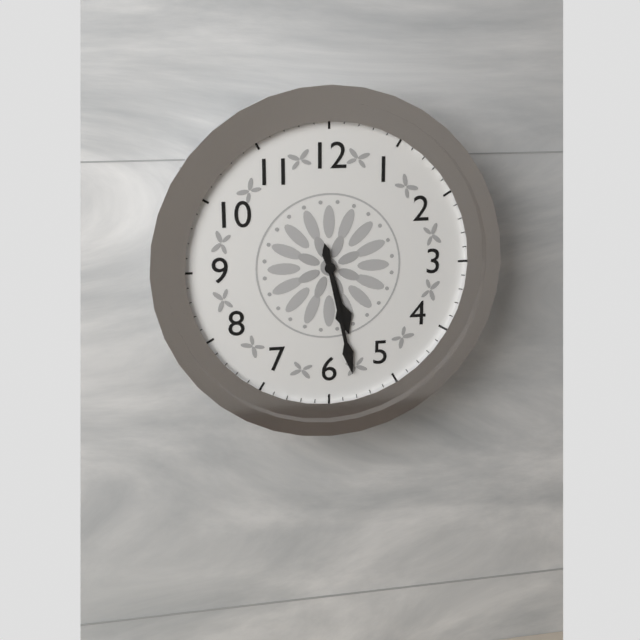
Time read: 5:28
